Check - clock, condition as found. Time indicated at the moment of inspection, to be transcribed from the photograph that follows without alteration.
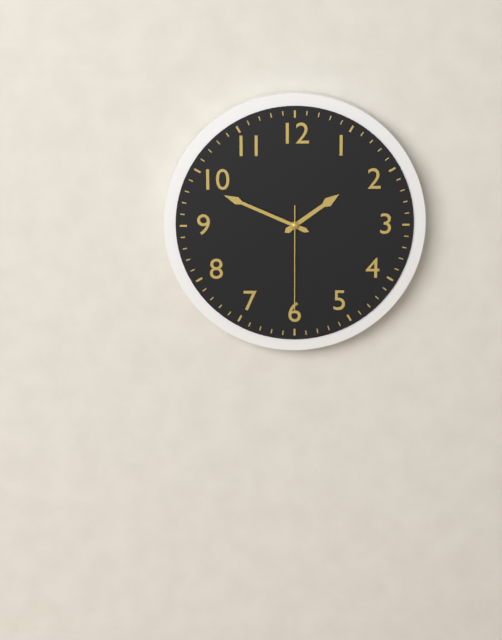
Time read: 1:49:30
